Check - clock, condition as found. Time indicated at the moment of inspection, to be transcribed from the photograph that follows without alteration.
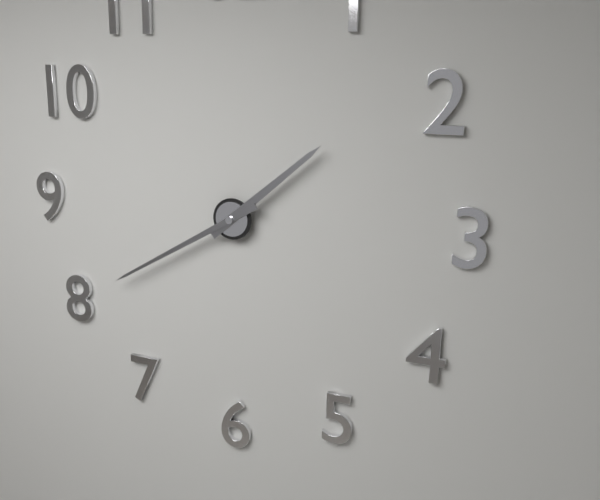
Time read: 1:40
